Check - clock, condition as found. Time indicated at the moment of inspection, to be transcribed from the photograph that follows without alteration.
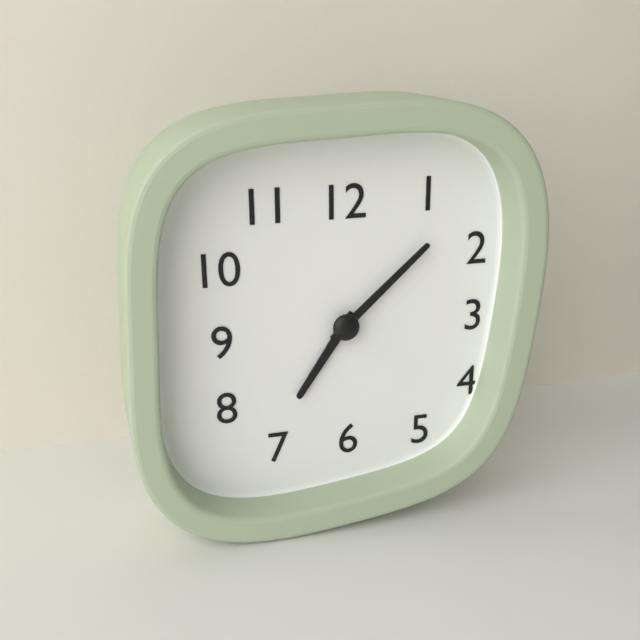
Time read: 7:08
